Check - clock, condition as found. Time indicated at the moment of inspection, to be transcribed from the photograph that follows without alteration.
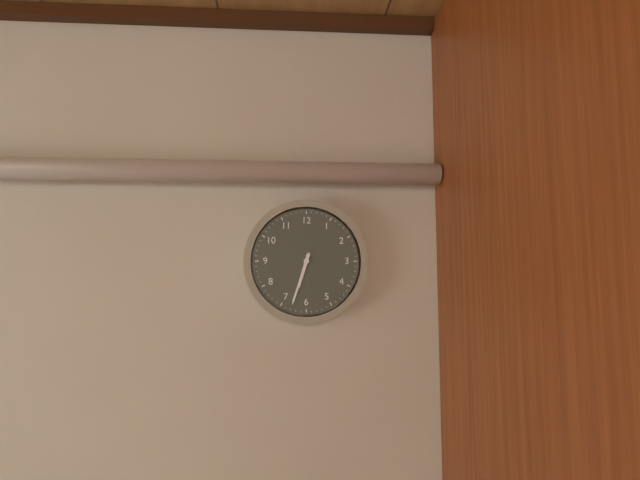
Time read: 6:33
